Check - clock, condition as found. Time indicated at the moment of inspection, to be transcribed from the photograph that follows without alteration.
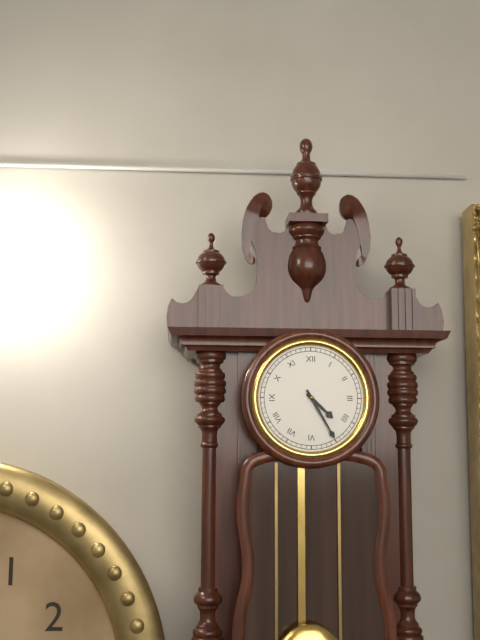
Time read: 4:25
